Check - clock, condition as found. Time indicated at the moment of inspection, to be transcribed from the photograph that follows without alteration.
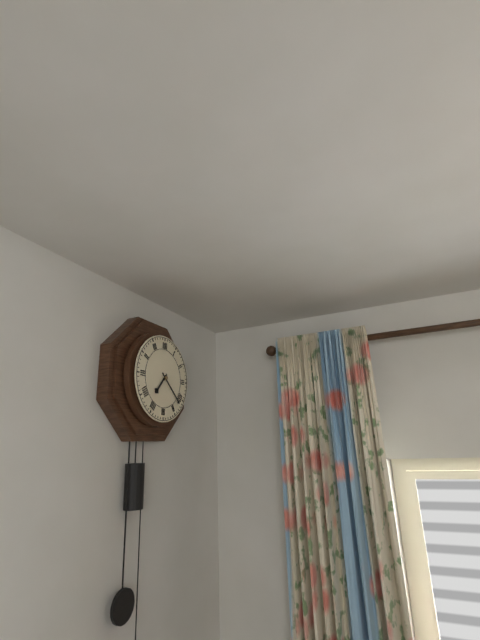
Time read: 7:22
